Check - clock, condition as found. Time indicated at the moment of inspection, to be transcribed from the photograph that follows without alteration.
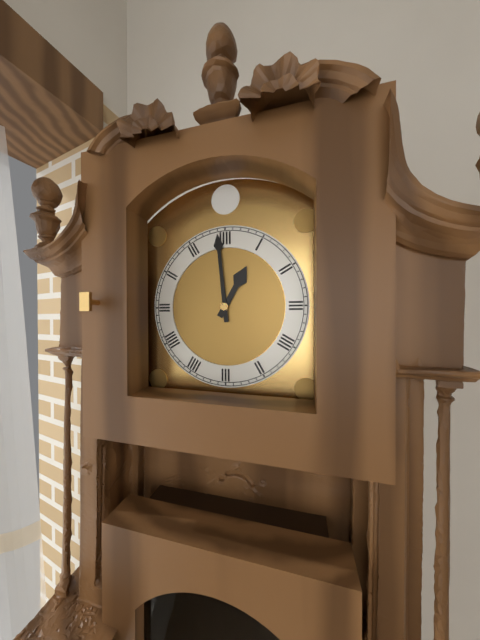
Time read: 12:59
